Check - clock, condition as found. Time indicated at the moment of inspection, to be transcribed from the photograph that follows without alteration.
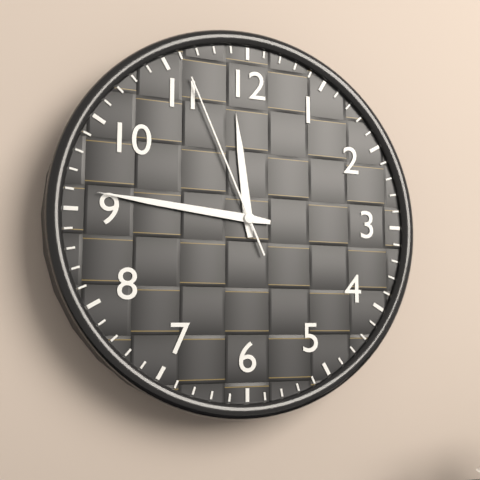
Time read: 11:46:56
